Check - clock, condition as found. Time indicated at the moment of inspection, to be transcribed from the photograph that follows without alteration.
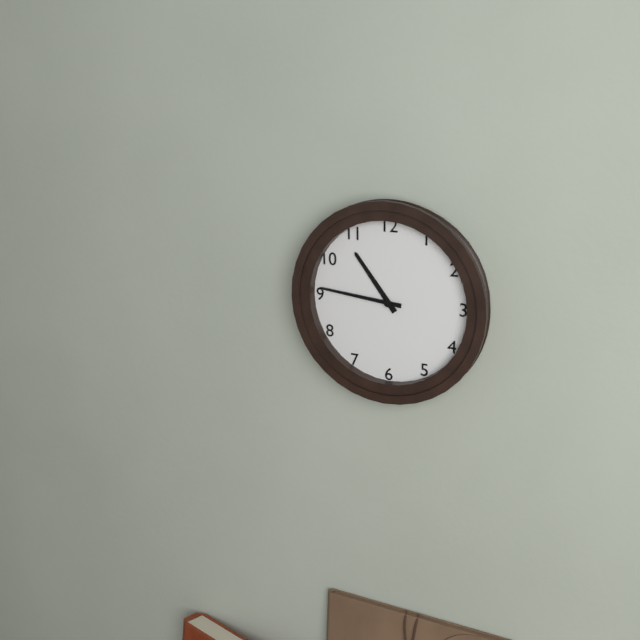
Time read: 10:46
